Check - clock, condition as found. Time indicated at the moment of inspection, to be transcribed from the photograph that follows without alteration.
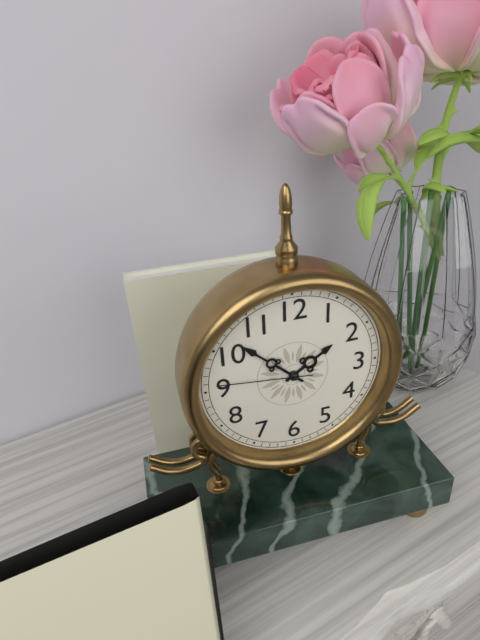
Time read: 1:52:46
